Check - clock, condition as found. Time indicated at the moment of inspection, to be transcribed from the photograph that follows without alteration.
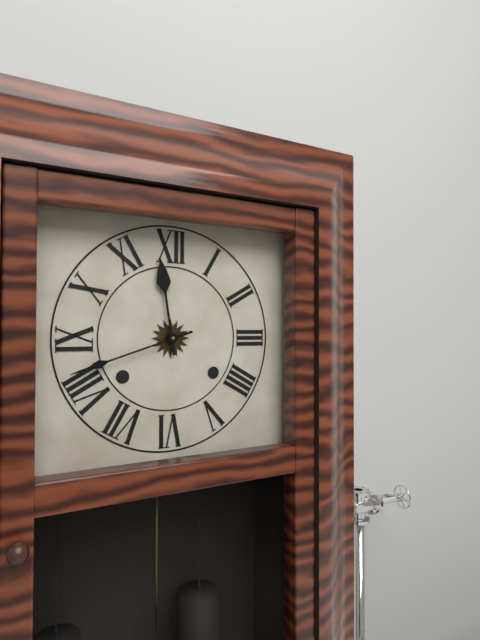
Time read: 11:42
